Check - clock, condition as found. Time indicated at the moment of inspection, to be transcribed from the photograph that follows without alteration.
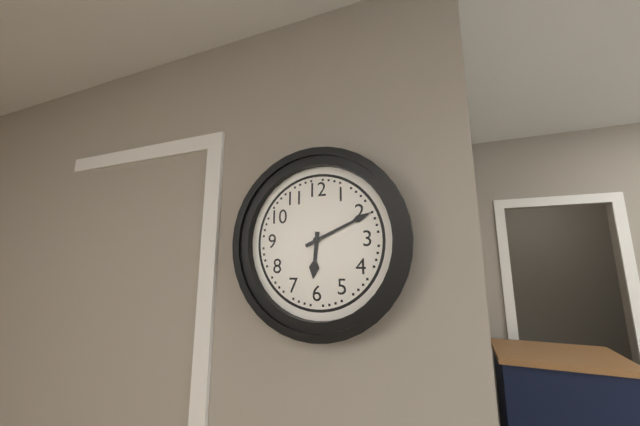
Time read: 6:11
